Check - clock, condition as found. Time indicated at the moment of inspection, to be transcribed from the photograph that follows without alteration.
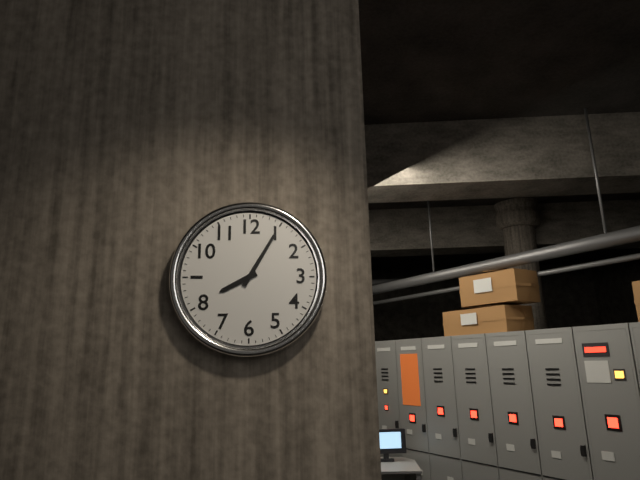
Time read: 8:05
